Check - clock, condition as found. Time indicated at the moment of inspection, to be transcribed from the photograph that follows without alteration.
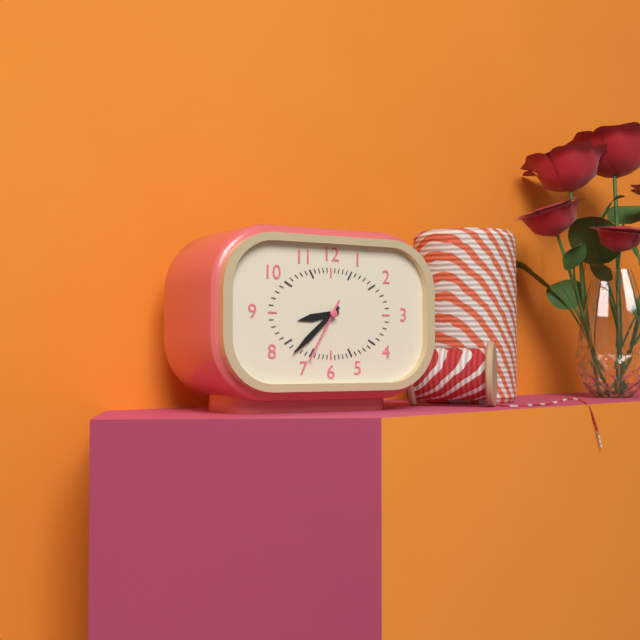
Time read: 8:38:35
